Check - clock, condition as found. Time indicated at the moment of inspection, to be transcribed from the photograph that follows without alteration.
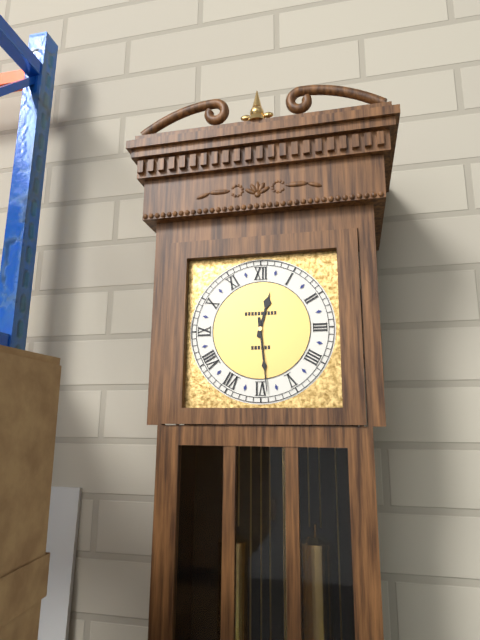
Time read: 12:29
